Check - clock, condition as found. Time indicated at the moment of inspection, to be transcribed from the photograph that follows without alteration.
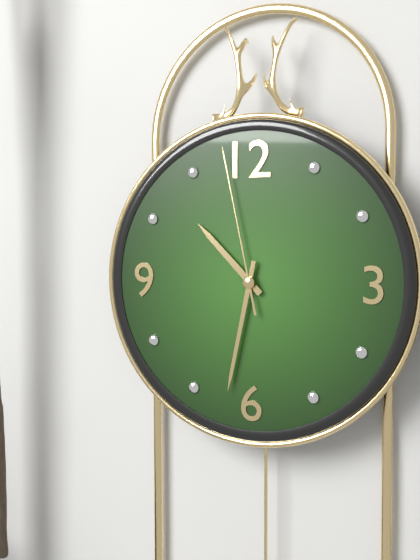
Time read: 10:32:58
